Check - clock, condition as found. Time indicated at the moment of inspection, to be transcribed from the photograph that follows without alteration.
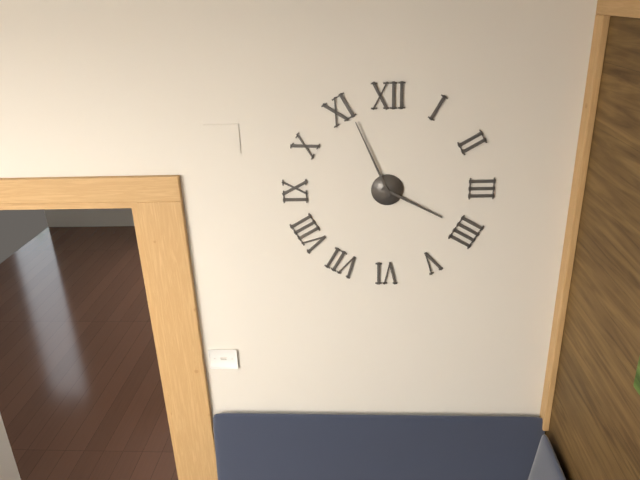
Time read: 3:56
